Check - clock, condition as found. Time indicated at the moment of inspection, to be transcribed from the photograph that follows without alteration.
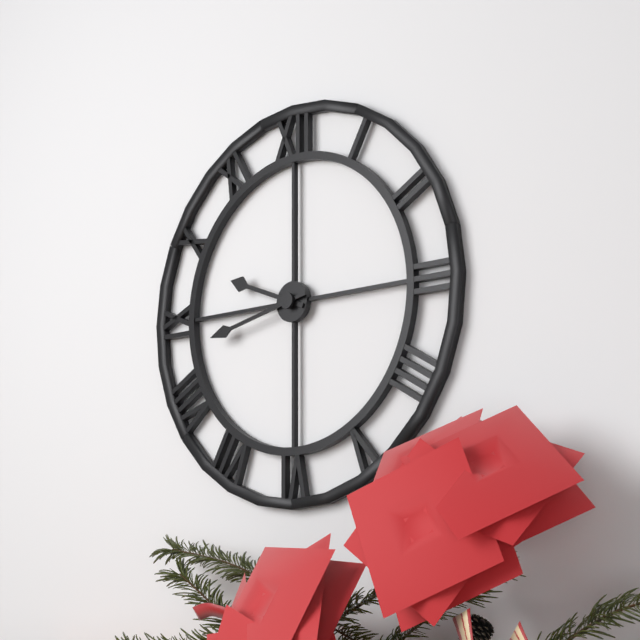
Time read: 9:43
